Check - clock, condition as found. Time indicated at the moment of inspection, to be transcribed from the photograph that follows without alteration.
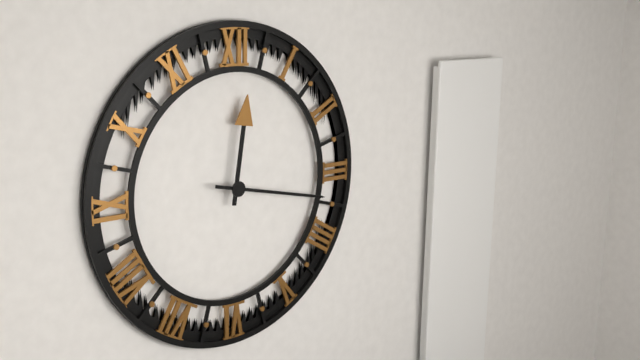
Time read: 12:17
